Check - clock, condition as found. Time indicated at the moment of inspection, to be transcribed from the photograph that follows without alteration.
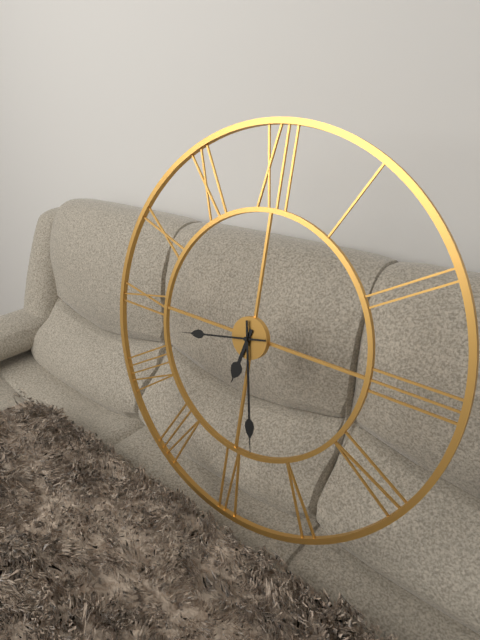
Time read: 6:28:43
